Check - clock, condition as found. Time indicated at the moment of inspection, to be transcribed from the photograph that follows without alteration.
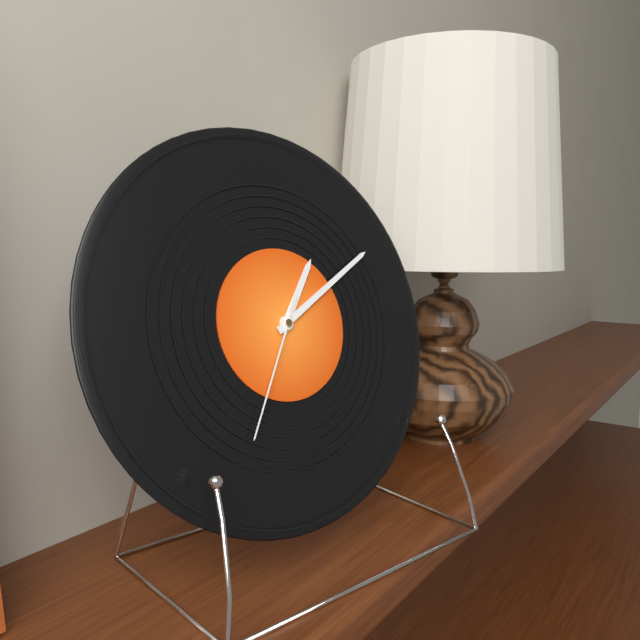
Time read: 1:10:35
